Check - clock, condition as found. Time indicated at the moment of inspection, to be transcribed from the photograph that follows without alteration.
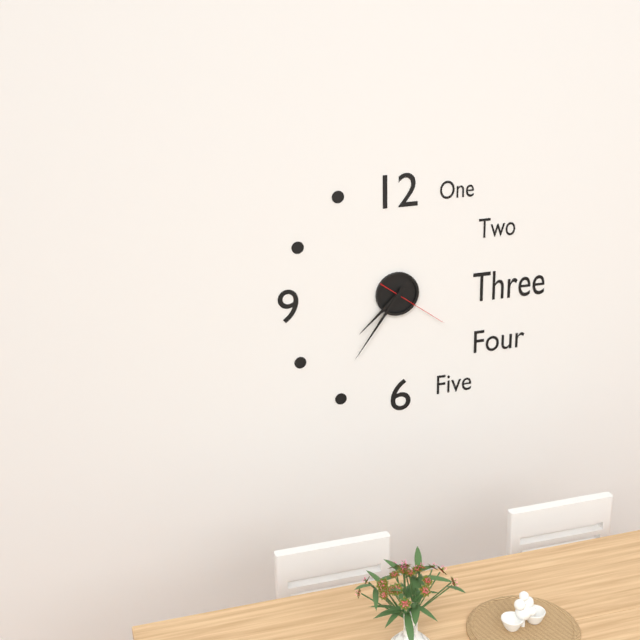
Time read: 7:36:21
